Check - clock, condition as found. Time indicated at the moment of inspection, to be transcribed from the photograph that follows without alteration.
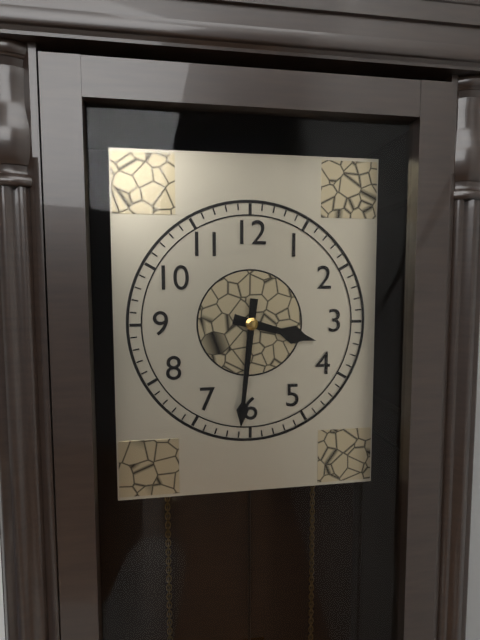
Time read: 3:31
